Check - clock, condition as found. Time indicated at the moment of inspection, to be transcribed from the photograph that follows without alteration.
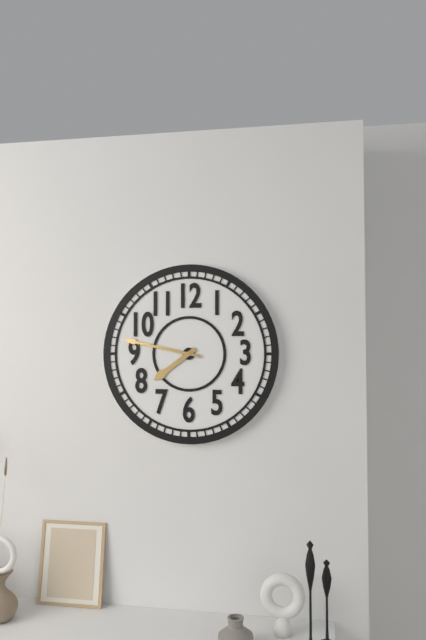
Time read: 7:47
